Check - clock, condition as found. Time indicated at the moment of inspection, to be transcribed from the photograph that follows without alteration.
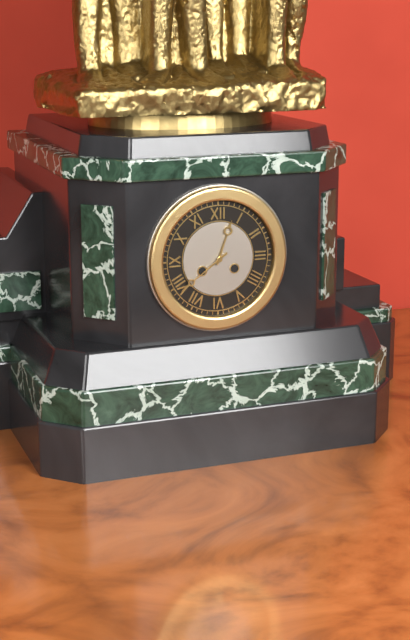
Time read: 12:39
